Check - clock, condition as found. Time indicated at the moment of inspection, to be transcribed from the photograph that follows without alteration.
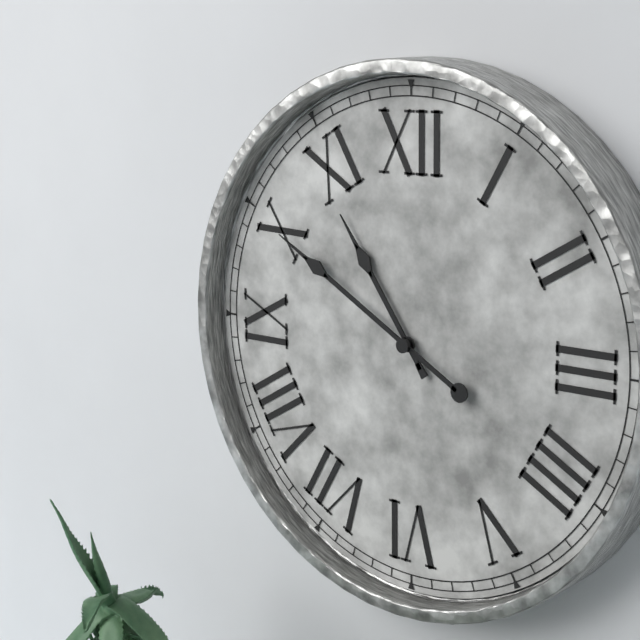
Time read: 10:50
